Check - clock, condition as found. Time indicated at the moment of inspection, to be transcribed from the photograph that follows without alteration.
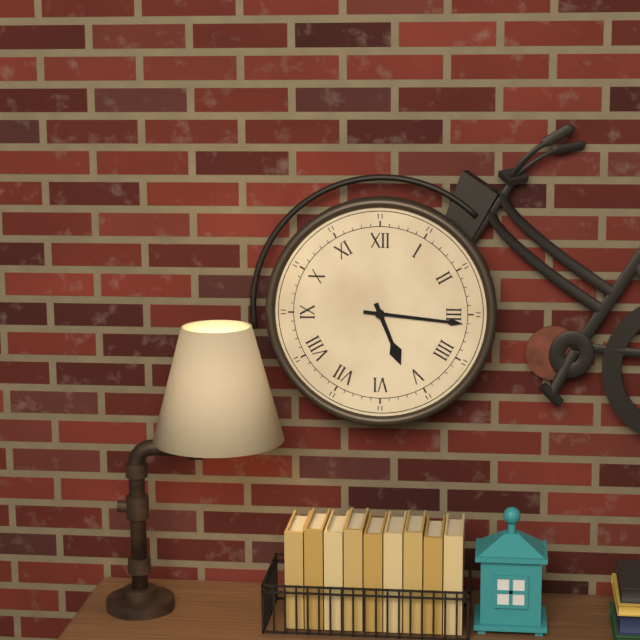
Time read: 5:16
